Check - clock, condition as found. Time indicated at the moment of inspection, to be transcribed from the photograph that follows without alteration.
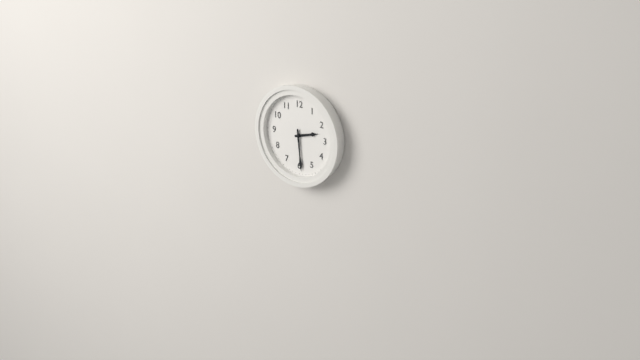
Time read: 2:29
